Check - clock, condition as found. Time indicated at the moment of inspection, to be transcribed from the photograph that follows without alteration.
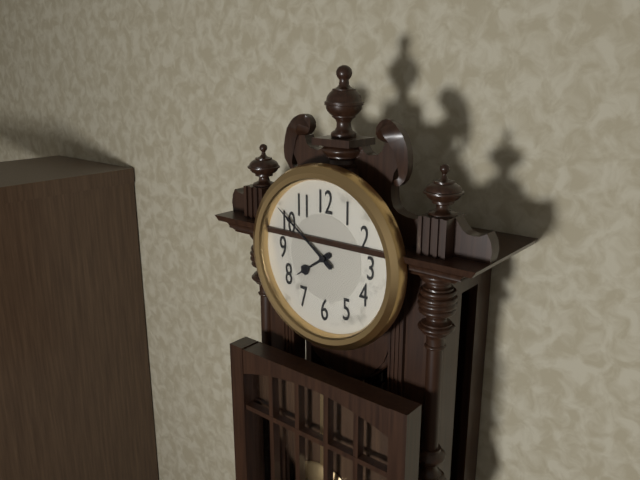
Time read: 7:51
